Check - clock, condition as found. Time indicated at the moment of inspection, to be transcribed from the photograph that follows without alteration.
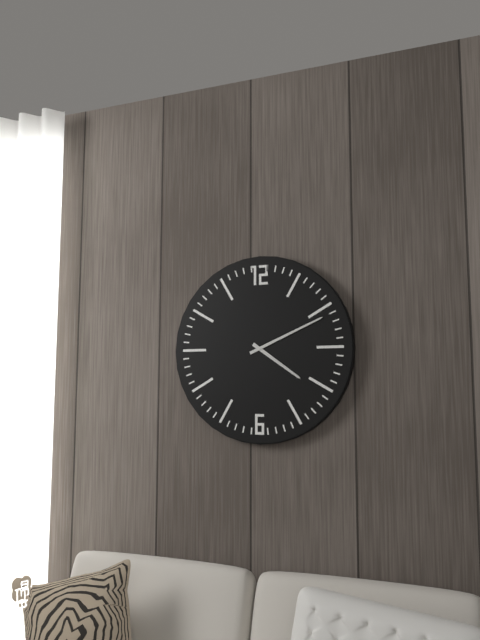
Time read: 4:11
